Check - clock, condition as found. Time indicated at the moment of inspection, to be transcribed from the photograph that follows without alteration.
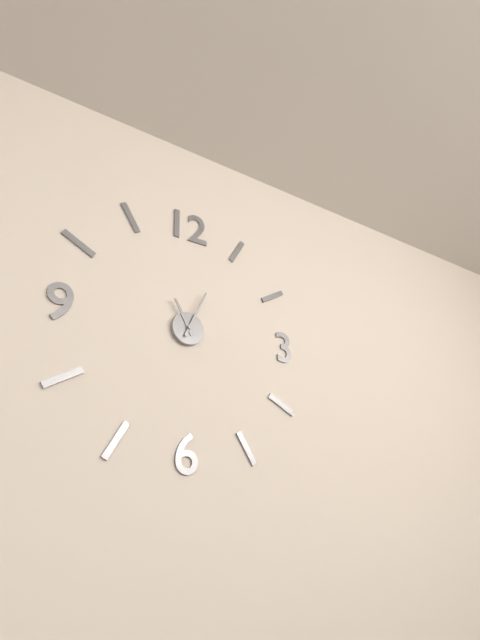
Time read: 11:04
